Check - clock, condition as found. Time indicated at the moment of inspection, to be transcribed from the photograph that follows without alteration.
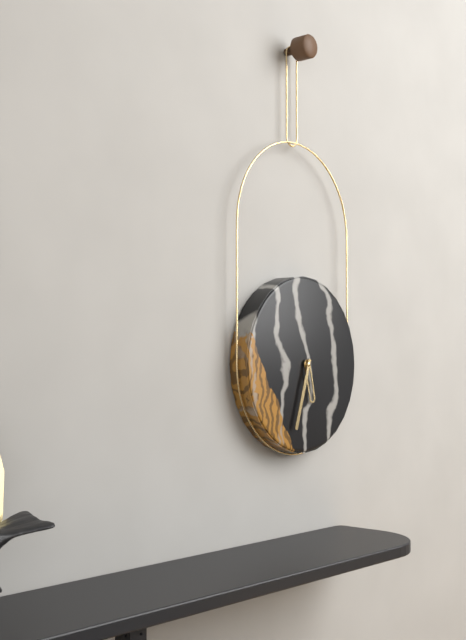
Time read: 5:33
